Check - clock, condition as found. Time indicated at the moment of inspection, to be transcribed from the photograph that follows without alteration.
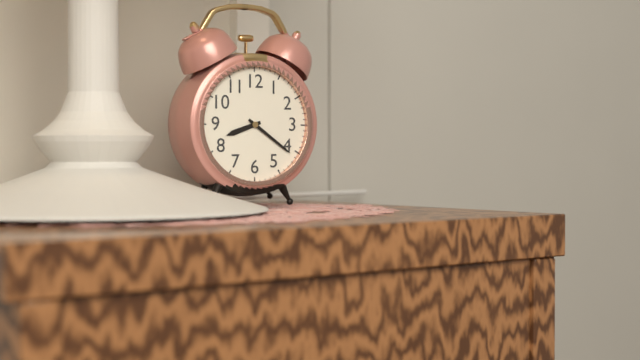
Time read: 8:21
